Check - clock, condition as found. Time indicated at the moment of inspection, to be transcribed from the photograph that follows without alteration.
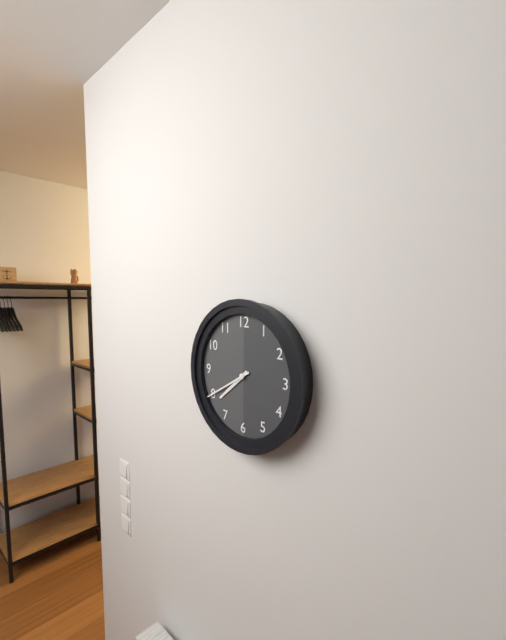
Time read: 7:40
